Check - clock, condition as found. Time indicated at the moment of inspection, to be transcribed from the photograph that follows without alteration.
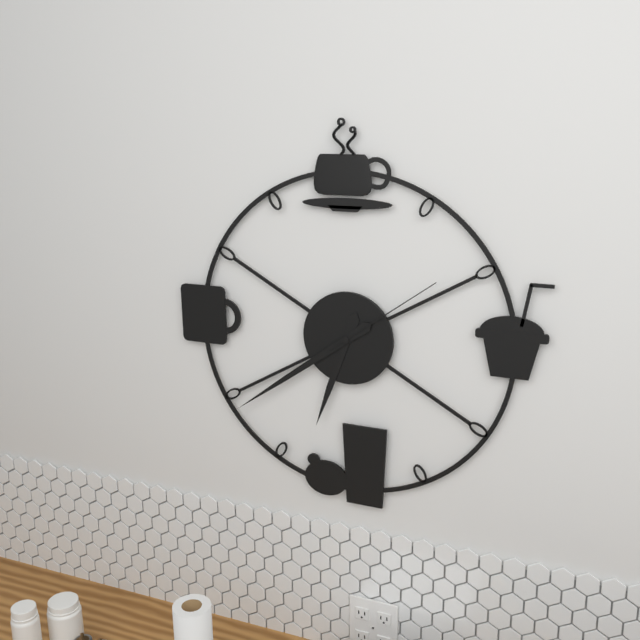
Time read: 6:39:09
